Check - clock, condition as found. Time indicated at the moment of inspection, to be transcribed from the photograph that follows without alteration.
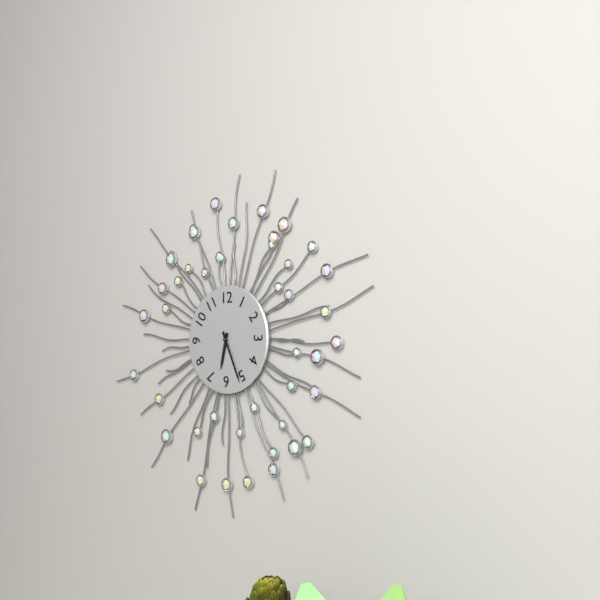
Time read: 6:26
